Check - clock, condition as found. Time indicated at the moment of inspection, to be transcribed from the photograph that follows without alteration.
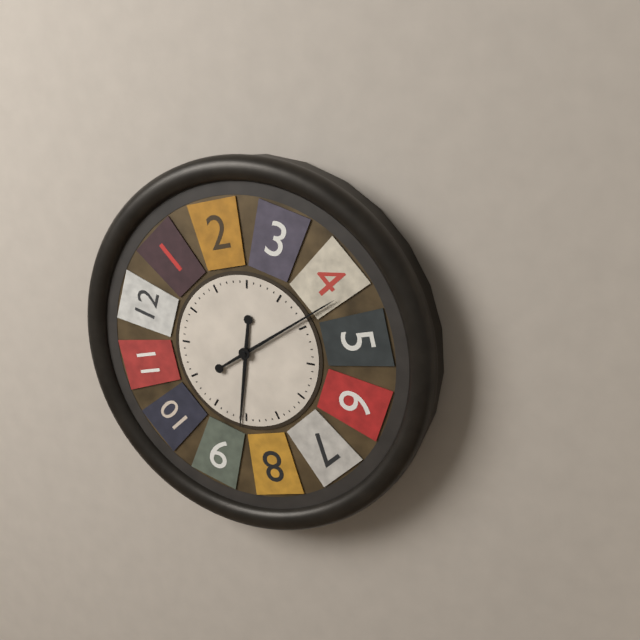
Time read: 6:09
